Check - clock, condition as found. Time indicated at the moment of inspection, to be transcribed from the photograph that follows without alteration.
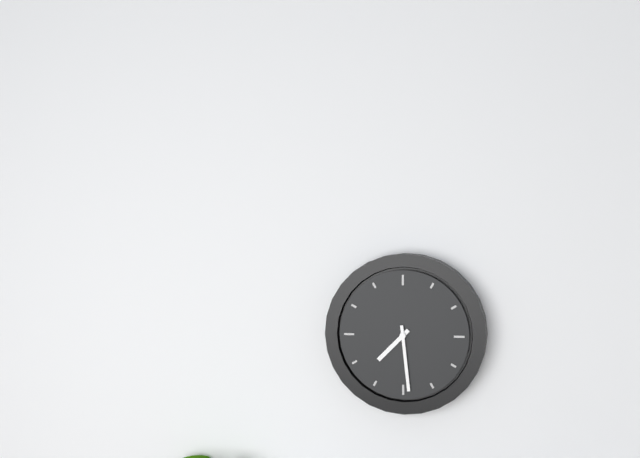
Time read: 7:29
